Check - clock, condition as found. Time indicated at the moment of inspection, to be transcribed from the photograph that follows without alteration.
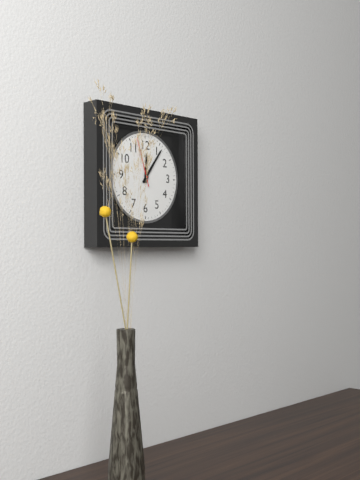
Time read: 12:06:57
